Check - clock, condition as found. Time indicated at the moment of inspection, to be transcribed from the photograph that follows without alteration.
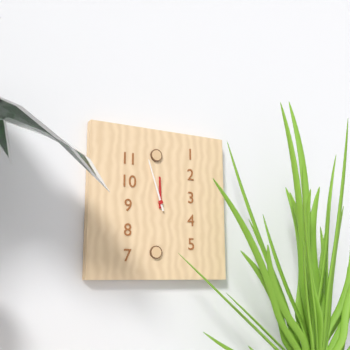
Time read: 11:57
